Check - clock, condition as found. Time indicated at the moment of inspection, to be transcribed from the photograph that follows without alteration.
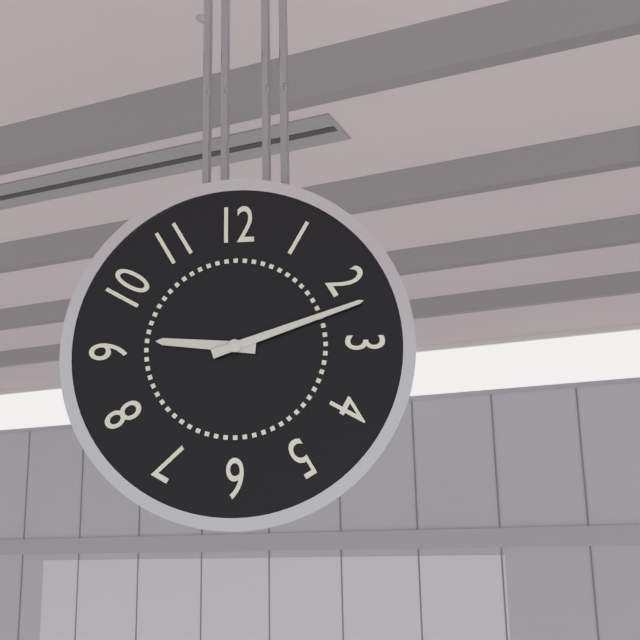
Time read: 9:12
